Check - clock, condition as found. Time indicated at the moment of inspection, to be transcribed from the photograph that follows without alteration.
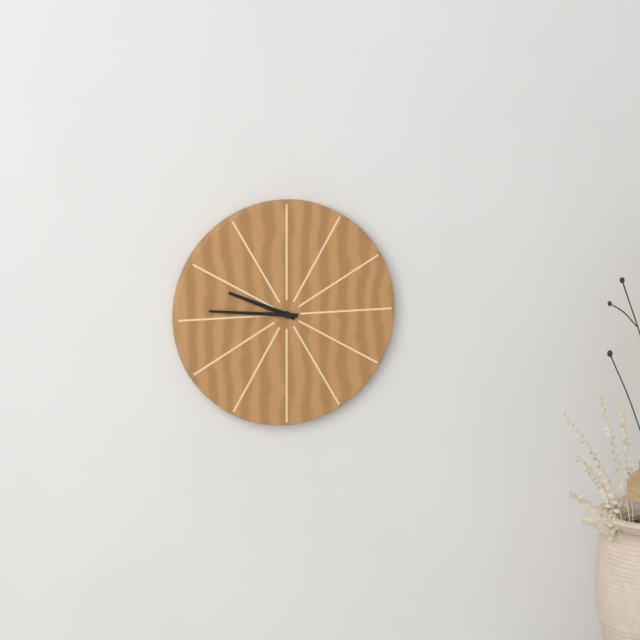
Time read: 9:46
